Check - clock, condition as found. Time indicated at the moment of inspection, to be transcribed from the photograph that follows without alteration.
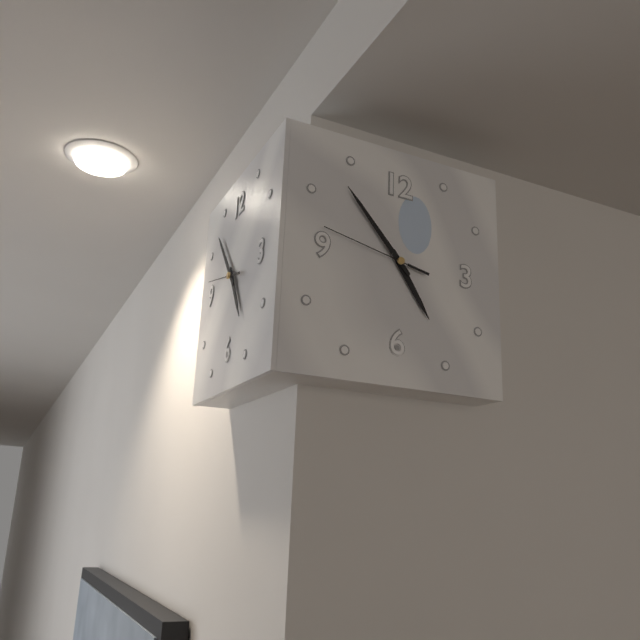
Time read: 4:53:47
